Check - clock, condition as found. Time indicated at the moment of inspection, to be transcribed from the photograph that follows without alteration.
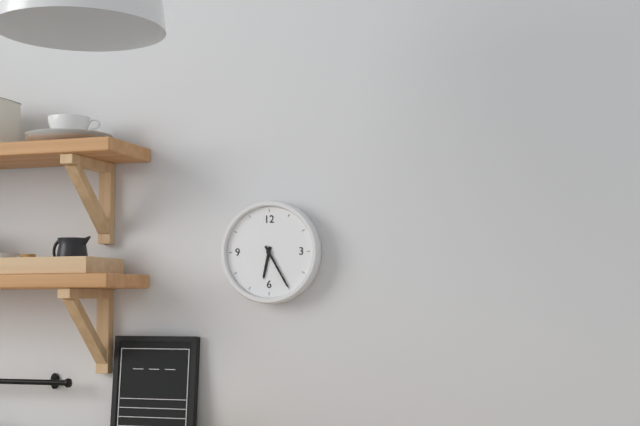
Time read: 6:25
